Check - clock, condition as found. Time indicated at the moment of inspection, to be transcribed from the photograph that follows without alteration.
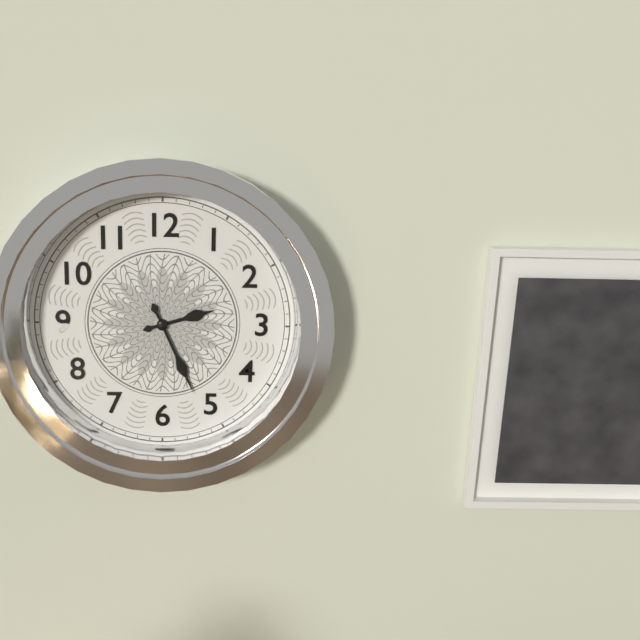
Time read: 2:26
